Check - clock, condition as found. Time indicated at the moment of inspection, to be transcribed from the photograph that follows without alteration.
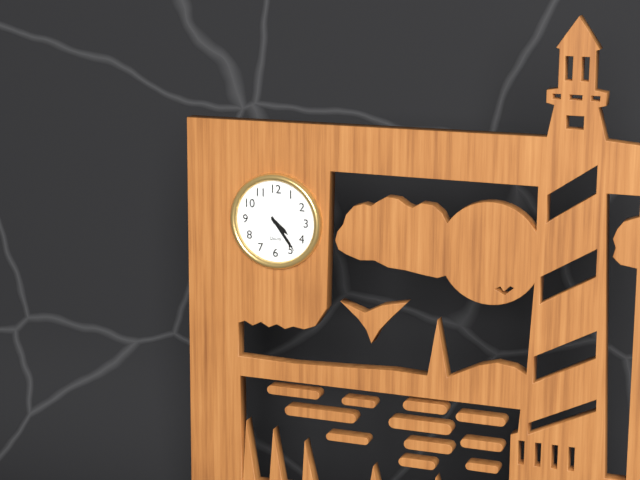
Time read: 4:24
